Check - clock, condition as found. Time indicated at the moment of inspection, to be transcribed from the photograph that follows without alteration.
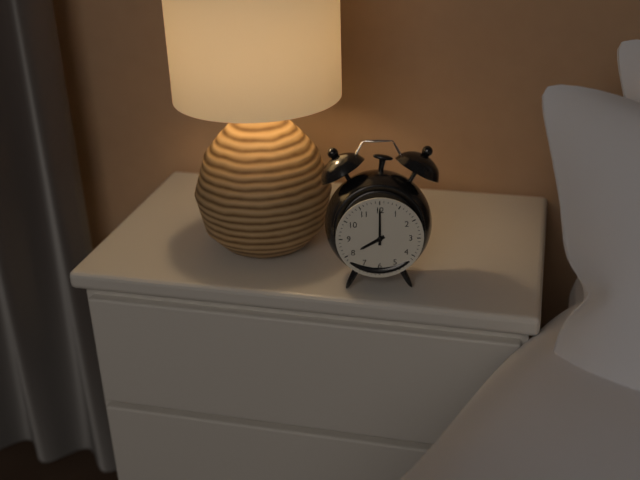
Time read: 8:00
